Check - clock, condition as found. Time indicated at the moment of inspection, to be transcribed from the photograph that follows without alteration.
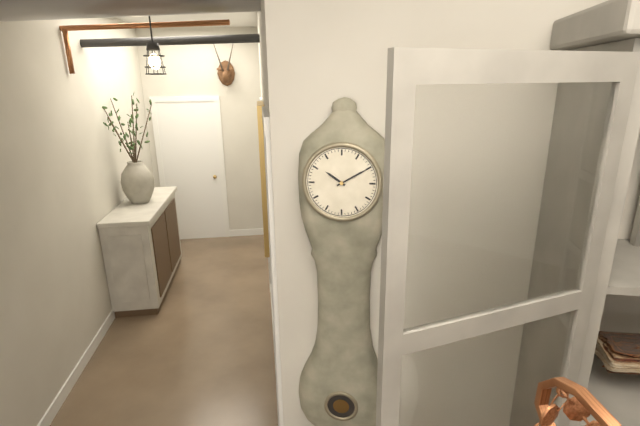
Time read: 10:10
